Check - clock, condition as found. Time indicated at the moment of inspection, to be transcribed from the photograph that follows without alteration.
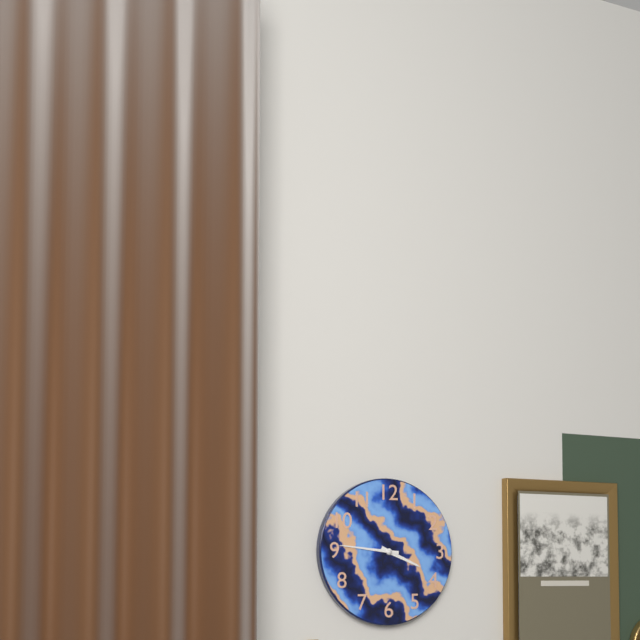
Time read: 3:46
